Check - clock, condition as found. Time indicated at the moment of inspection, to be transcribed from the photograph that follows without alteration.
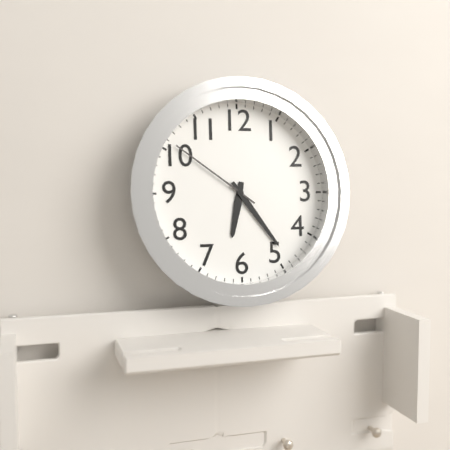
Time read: 6:24:51
